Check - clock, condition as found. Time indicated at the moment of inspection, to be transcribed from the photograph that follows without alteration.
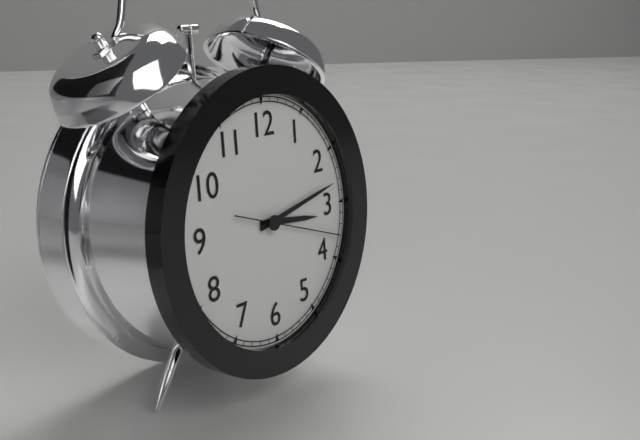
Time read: 3:13:18
